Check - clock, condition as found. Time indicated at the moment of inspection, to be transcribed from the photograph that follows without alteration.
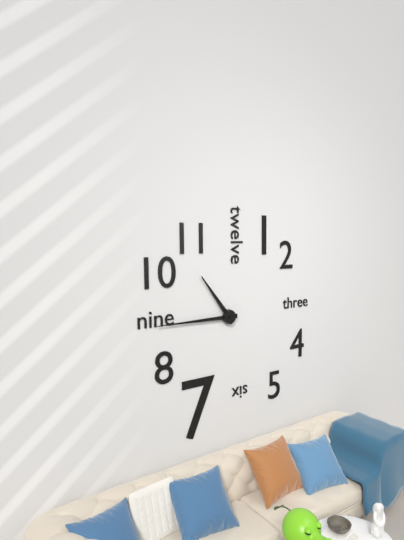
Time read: 10:45
